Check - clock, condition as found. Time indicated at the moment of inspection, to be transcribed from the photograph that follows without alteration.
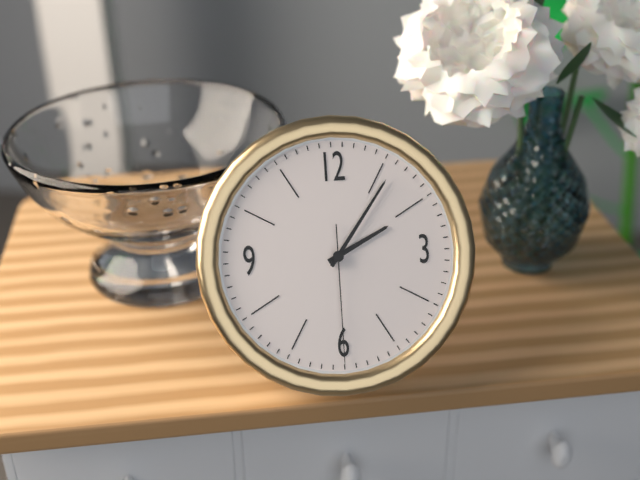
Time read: 2:06:30
